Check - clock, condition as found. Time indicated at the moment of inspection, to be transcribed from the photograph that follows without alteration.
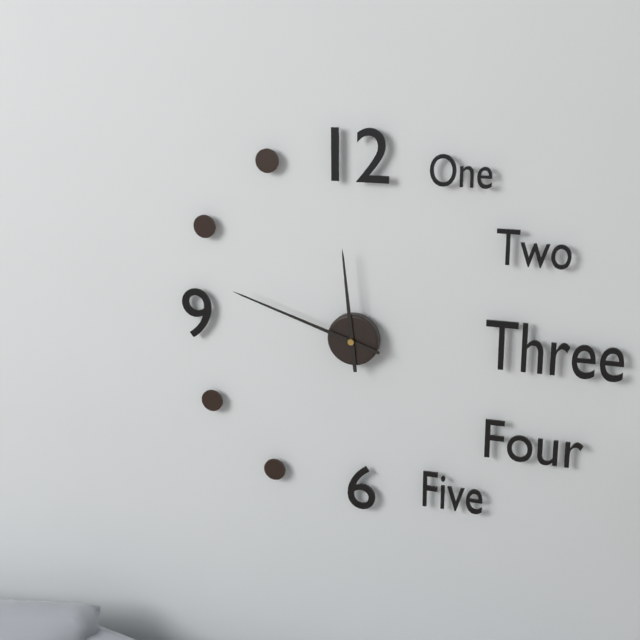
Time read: 11:48
